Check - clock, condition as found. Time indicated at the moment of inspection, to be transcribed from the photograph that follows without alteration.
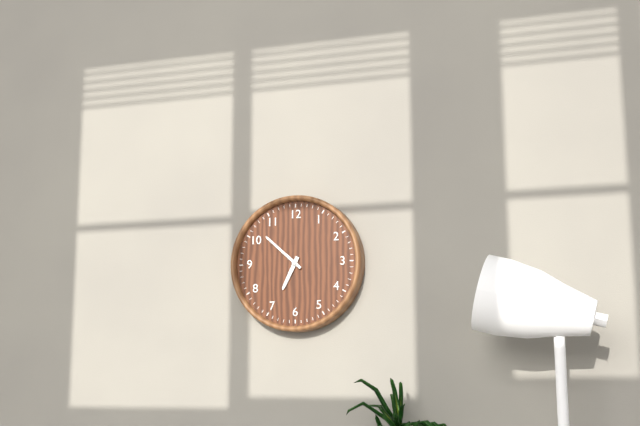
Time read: 6:52
